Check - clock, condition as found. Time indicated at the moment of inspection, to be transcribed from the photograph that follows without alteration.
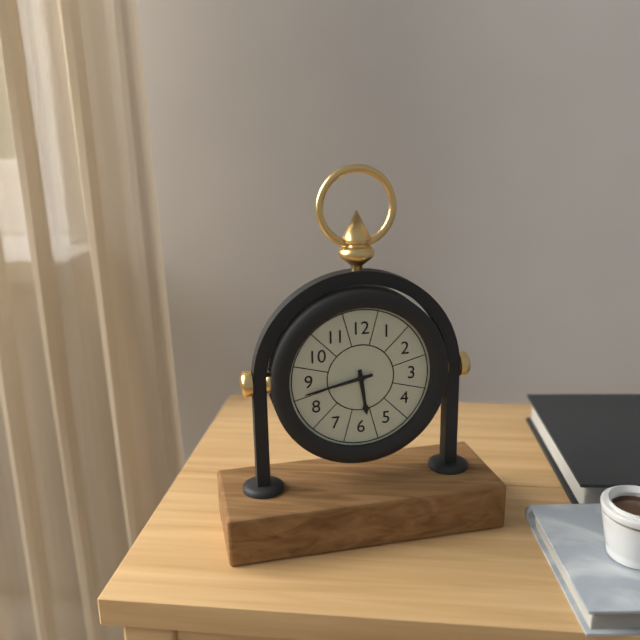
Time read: 5:43
